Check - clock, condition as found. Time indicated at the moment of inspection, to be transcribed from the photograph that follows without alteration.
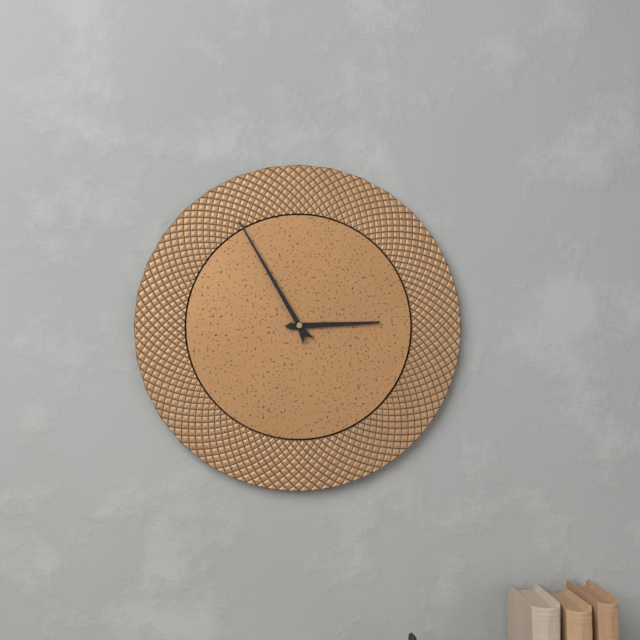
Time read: 2:55
